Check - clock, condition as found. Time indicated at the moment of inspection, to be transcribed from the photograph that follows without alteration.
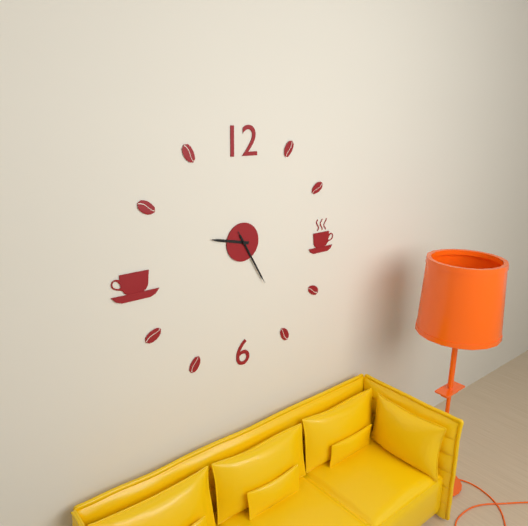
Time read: 9:25:25
